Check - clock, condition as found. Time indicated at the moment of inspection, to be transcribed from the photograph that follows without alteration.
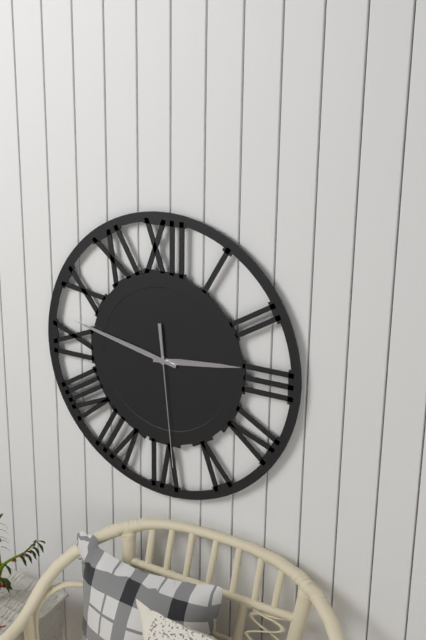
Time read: 2:47:29
